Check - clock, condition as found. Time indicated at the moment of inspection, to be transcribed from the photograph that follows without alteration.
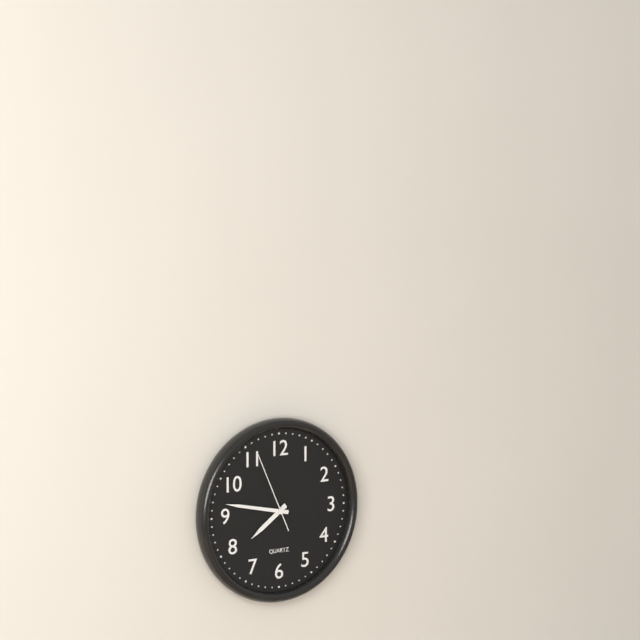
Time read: 7:47:56
